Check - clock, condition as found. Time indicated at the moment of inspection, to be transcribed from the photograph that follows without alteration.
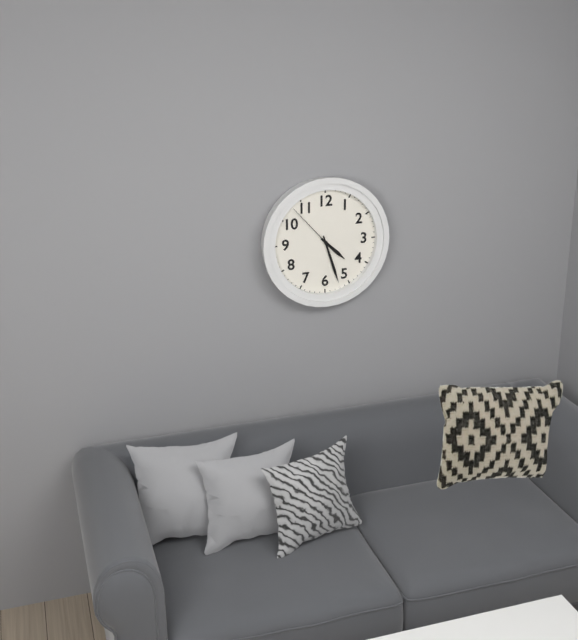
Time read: 4:27:53
